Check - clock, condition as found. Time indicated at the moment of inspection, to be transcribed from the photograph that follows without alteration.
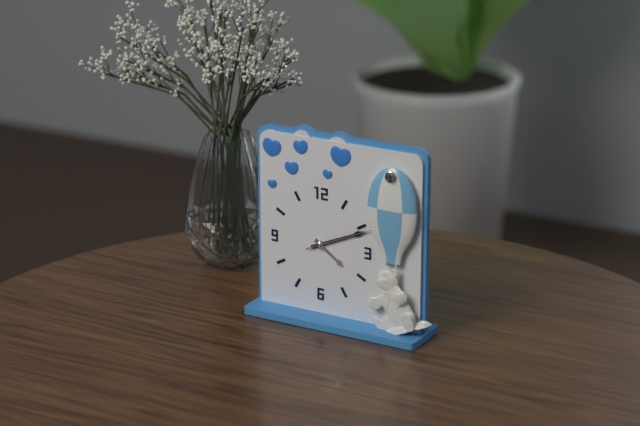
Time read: 4:11:11
